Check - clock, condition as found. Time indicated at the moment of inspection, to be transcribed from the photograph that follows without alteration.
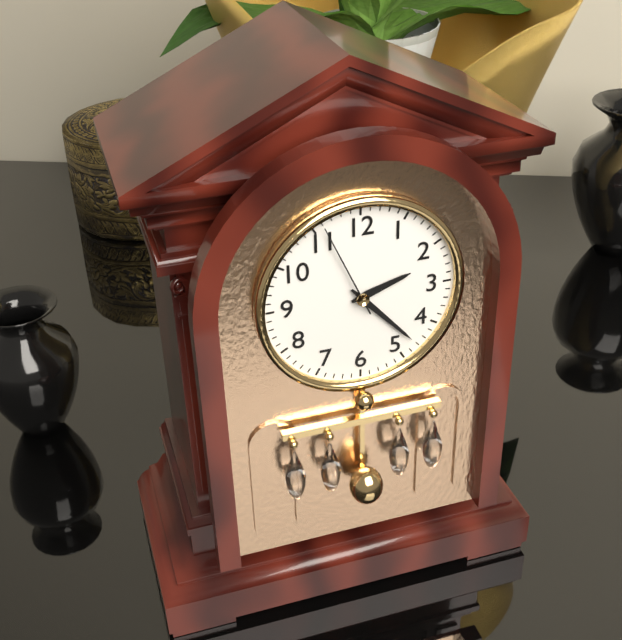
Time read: 2:23:56
